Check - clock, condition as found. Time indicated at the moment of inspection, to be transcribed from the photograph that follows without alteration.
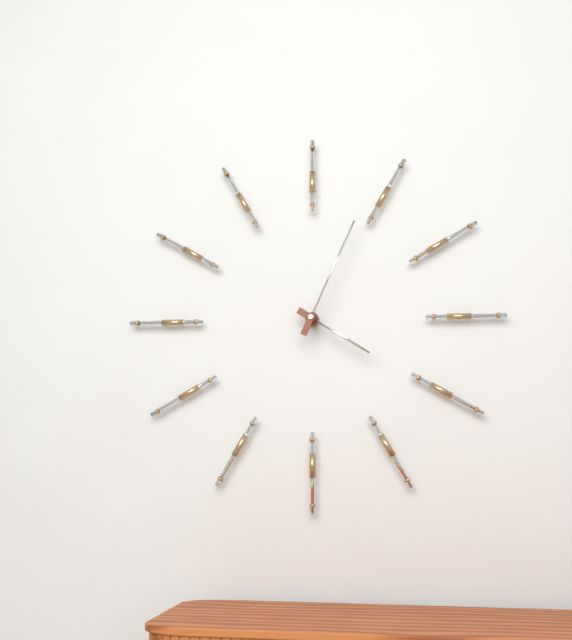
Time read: 4:04
